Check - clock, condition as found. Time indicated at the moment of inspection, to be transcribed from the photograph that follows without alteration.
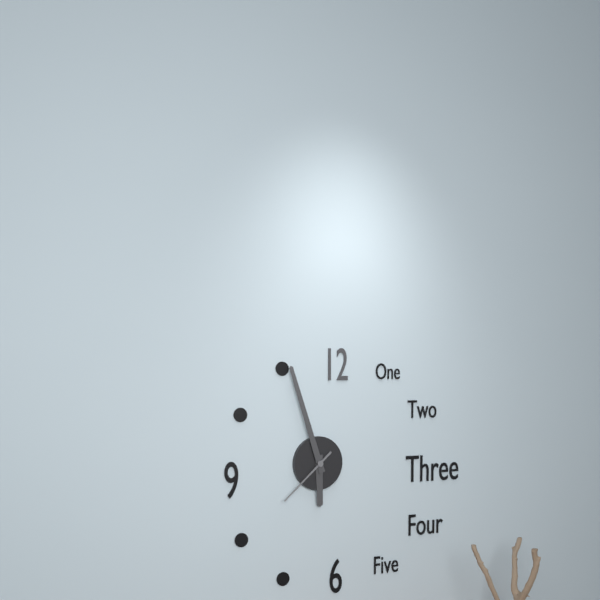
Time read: 5:57:38
